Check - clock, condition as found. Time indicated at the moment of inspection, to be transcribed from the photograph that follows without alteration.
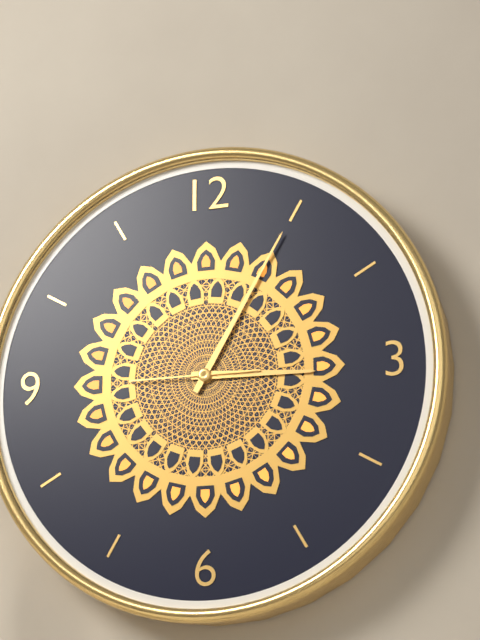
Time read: 3:05:45
